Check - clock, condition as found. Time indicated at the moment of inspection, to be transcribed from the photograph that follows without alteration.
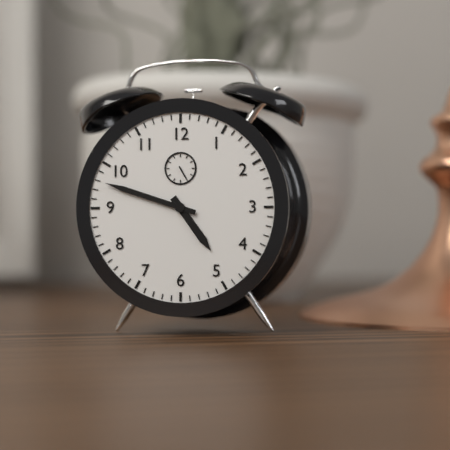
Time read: 4:48
